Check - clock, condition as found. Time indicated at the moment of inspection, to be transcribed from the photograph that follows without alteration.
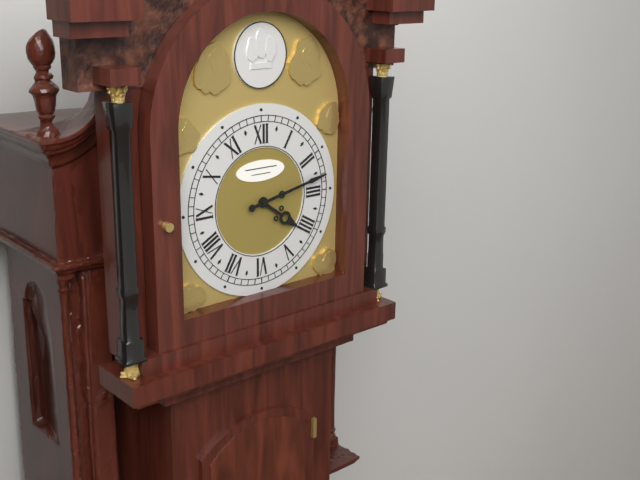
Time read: 4:13
